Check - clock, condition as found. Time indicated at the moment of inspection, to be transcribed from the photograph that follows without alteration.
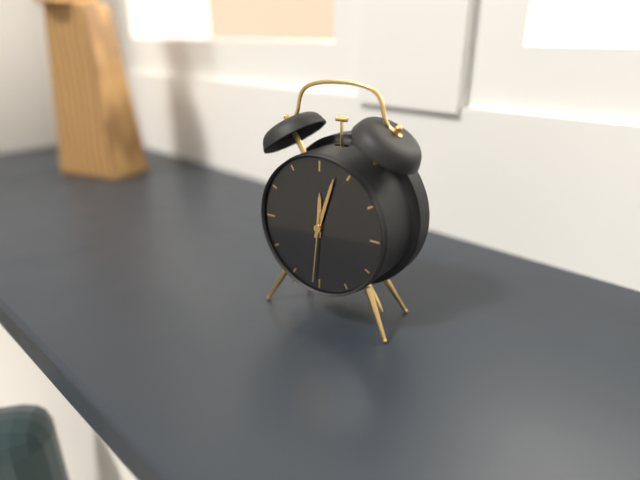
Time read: 12:03:31
